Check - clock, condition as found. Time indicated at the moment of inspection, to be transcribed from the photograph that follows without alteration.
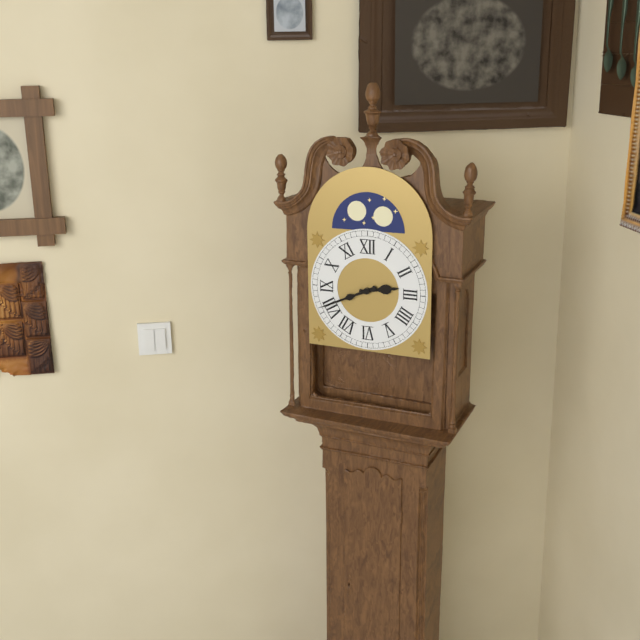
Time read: 2:41
